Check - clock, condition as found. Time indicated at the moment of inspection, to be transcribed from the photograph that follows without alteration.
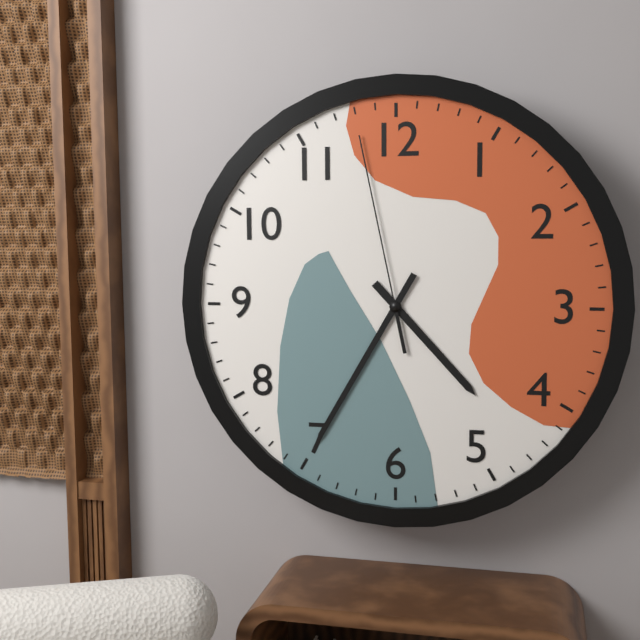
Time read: 4:35:58
